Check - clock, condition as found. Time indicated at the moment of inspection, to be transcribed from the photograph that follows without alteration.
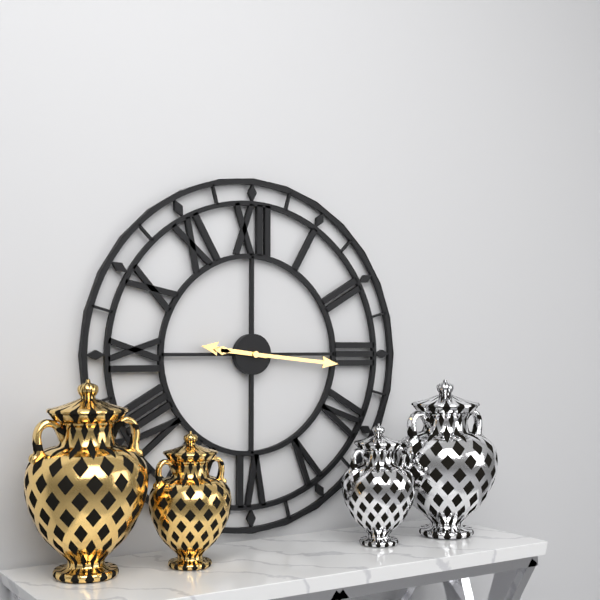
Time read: 9:16
